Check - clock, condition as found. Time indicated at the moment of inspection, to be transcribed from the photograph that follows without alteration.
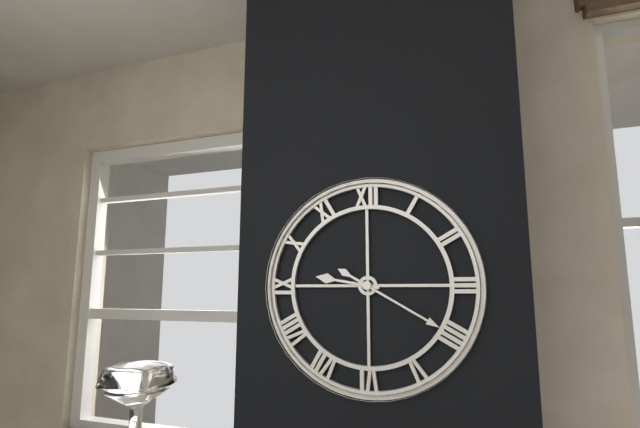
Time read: 9:20
